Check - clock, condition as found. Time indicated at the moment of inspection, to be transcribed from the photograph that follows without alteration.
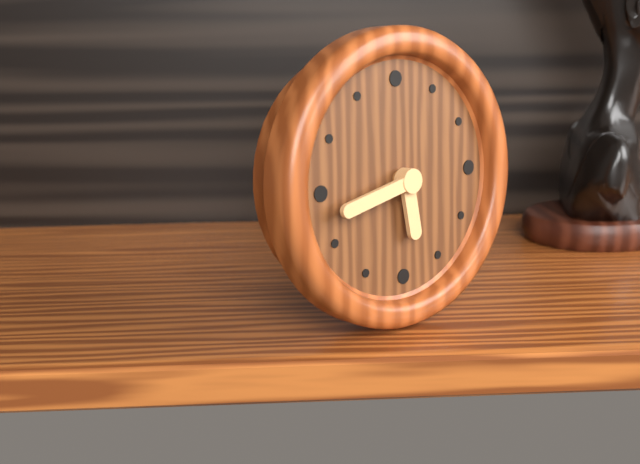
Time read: 5:43
